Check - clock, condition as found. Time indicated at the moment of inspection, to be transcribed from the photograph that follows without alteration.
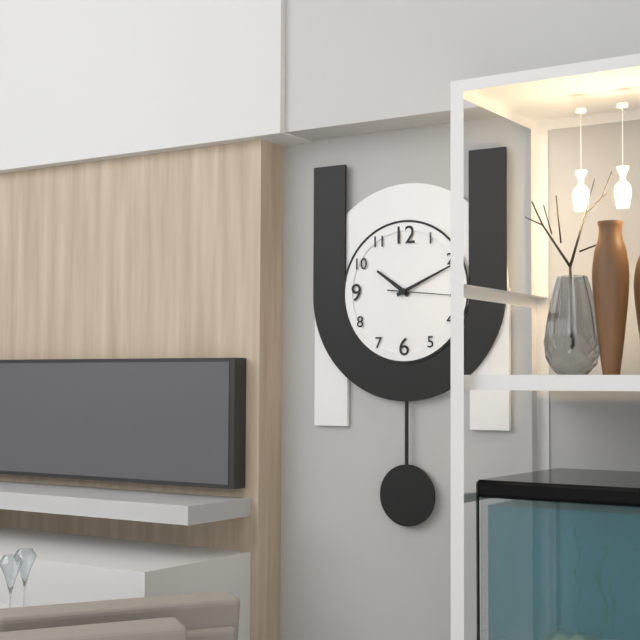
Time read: 10:11:16
